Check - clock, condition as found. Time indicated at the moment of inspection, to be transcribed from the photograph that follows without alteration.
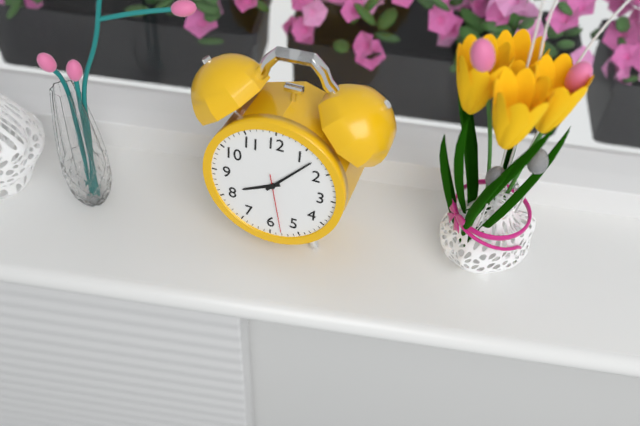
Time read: 8:07:28
